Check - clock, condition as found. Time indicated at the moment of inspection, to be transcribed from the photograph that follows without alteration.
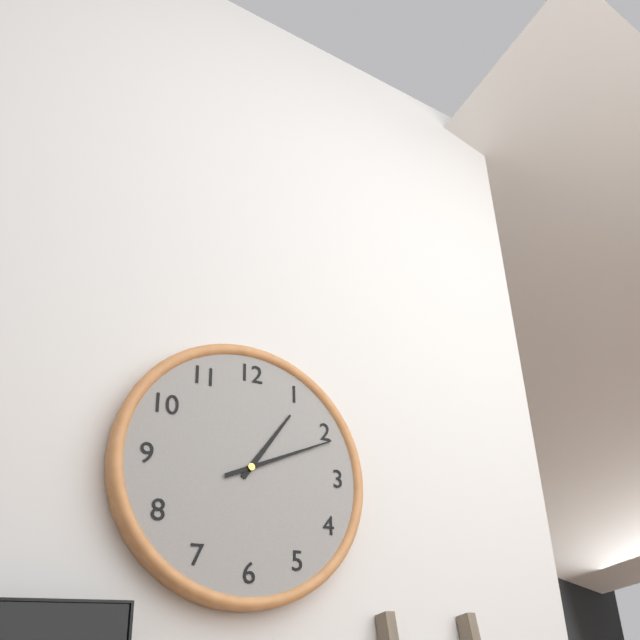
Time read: 1:11
